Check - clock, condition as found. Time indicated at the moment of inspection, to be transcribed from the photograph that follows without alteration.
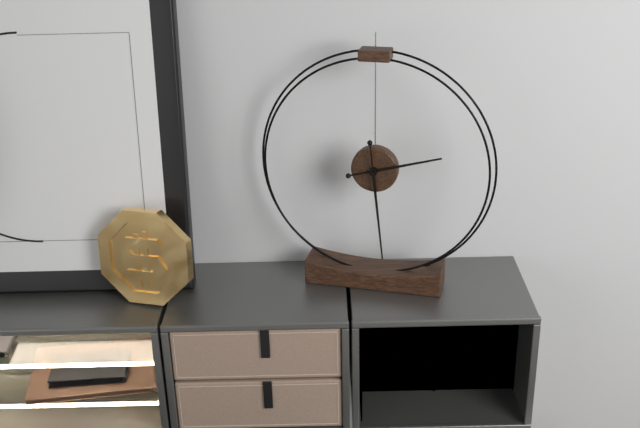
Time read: 2:29
